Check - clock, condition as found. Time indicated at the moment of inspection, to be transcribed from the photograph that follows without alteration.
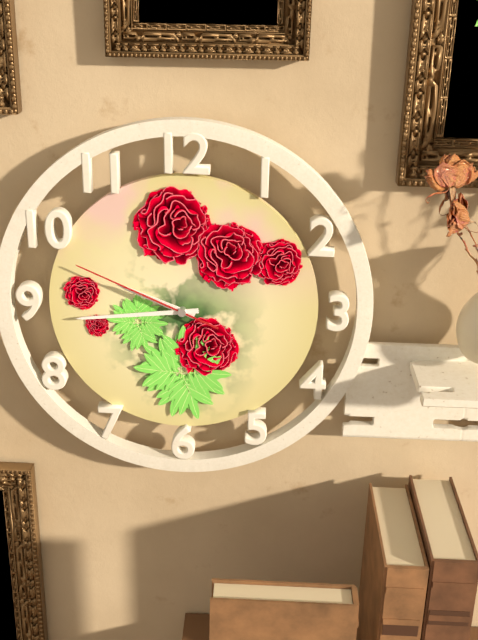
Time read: 9:44:49
